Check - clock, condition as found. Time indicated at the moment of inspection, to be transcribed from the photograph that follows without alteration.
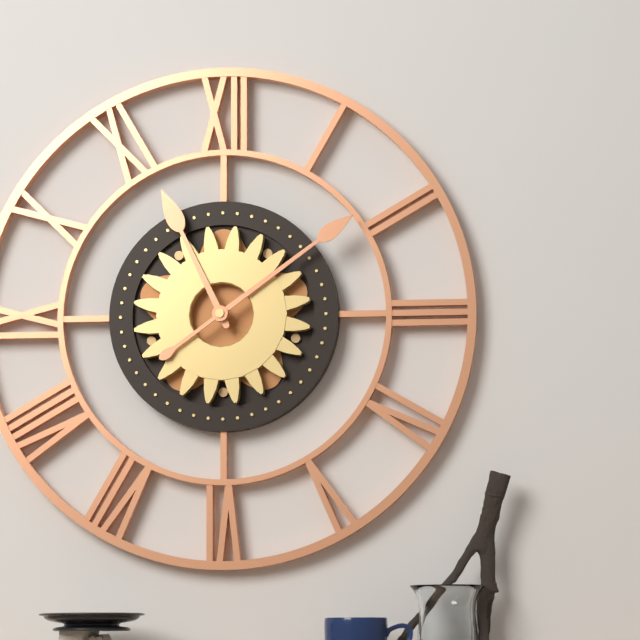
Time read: 11:09
